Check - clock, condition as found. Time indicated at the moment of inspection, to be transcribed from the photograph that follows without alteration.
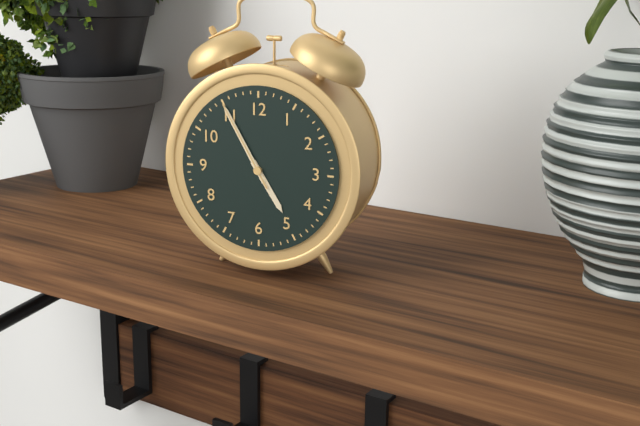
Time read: 4:55:55
